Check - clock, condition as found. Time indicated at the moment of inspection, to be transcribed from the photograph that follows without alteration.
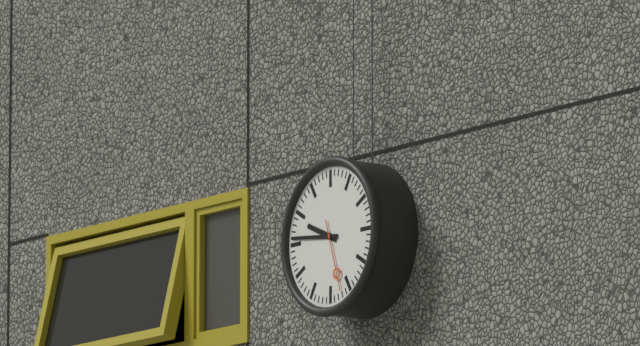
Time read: 9:46:27
